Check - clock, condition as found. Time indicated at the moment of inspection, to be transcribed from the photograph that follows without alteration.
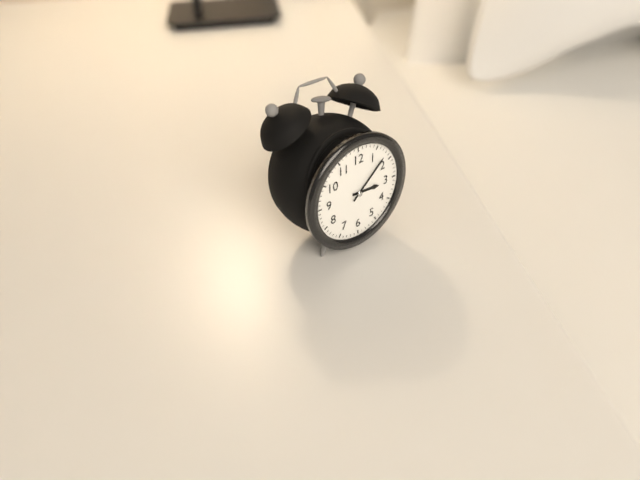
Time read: 3:08
